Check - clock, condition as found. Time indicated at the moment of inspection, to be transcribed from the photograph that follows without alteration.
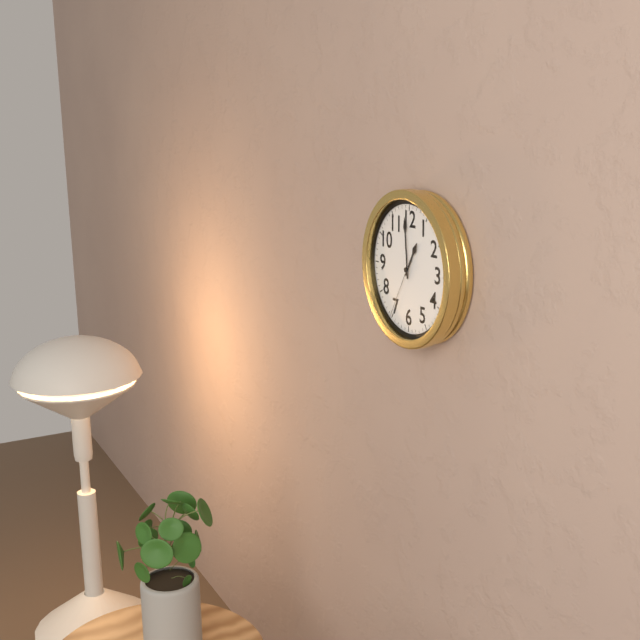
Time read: 12:59:35
